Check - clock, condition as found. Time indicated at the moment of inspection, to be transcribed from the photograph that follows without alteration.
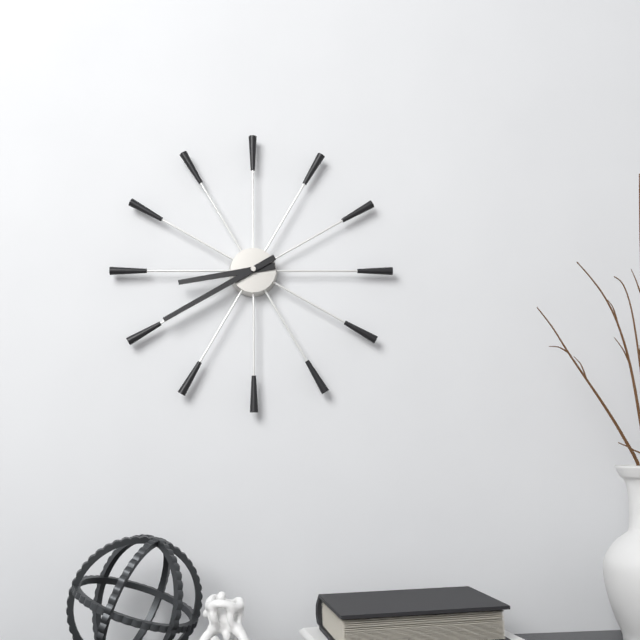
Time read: 8:40
